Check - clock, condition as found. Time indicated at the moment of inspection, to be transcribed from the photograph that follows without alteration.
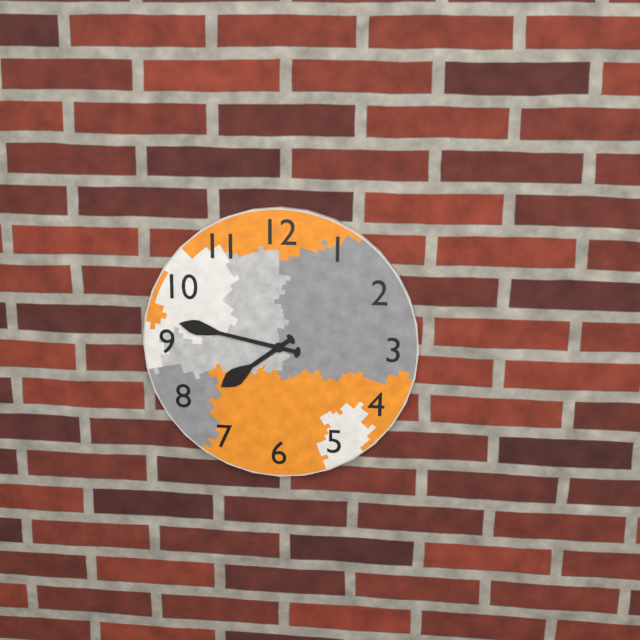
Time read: 7:47
